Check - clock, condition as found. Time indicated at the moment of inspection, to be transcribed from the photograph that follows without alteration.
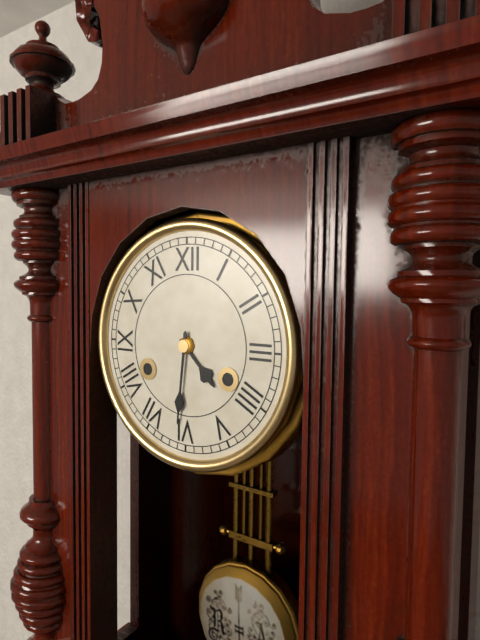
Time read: 4:31
